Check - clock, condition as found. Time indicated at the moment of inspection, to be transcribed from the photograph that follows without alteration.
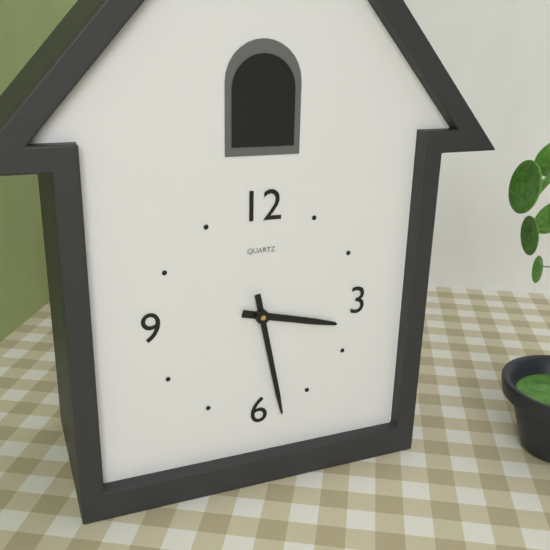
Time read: 3:28
